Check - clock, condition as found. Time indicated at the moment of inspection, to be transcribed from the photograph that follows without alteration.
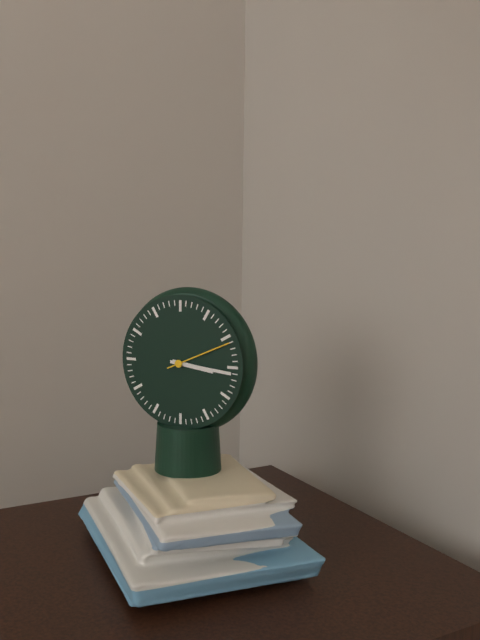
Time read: 3:16:11
